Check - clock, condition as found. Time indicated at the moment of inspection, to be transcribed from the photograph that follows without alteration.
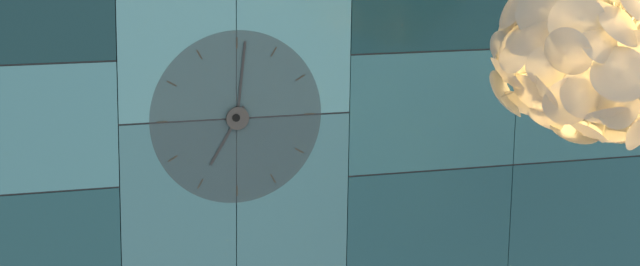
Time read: 7:01
